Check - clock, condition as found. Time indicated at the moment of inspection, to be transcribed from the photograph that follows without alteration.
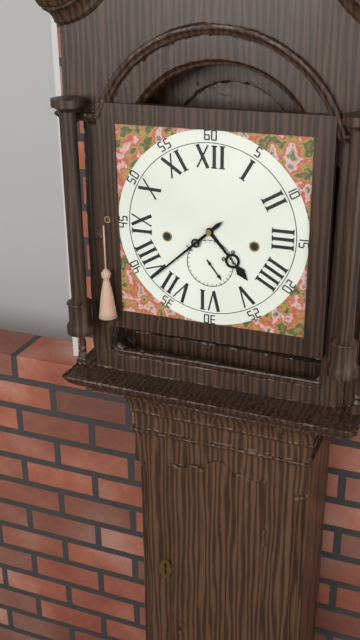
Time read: 4:38
